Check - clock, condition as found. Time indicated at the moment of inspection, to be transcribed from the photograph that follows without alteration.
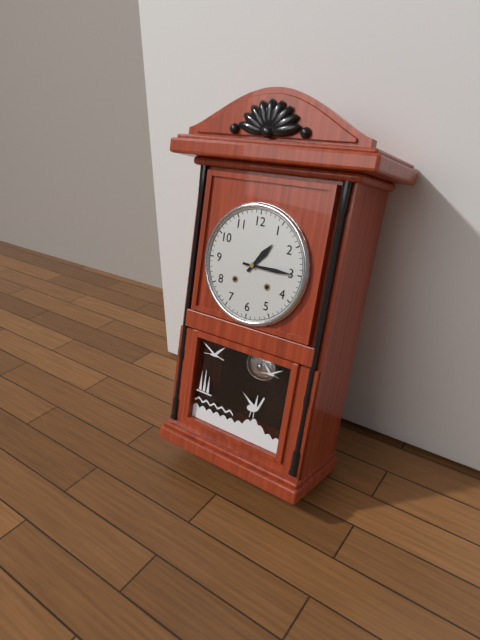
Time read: 1:15
